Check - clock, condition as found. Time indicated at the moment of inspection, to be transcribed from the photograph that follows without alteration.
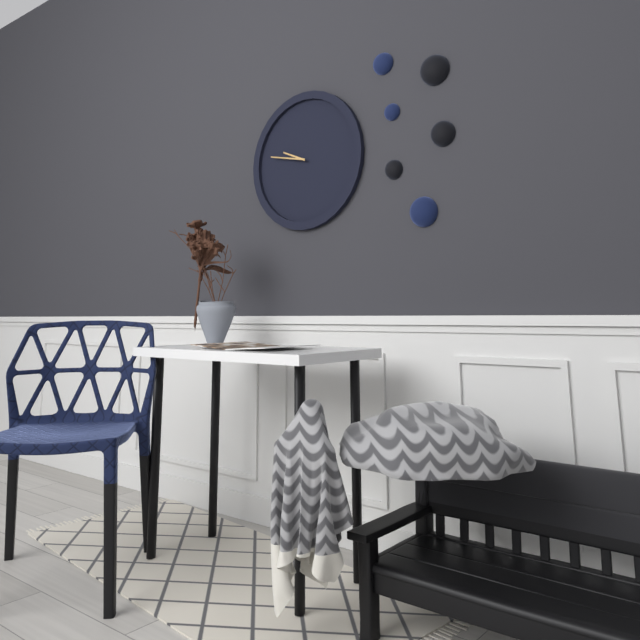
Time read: 9:47
